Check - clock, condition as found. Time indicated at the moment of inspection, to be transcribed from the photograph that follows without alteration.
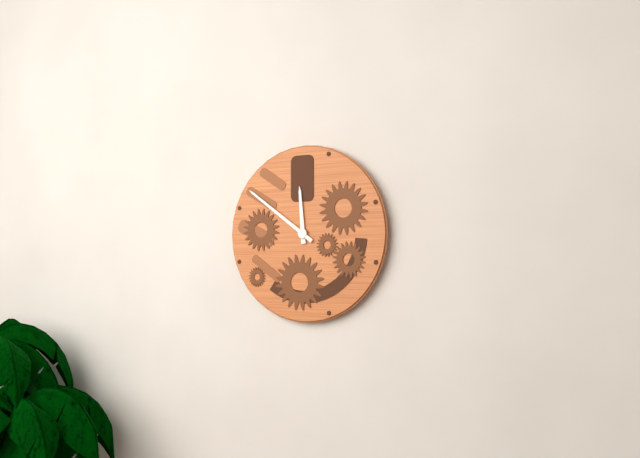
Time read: 11:51
